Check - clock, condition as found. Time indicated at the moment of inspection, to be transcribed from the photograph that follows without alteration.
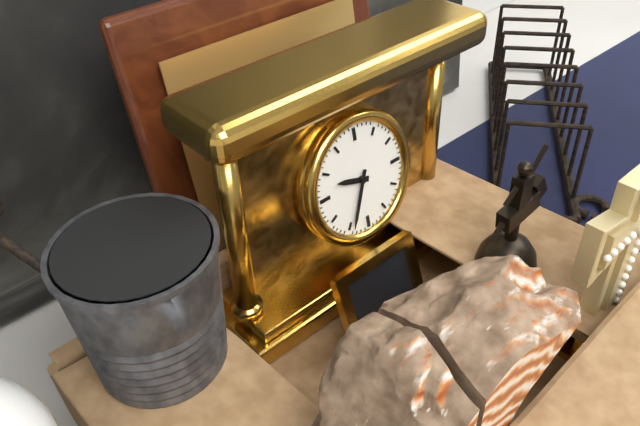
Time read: 9:34
